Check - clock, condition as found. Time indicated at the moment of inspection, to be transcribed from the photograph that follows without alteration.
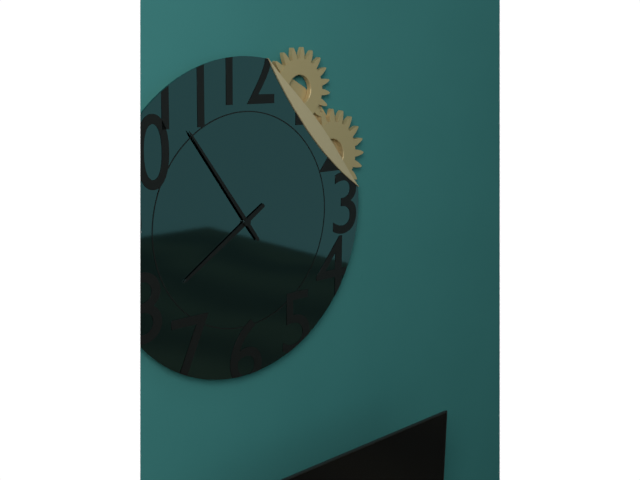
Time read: 7:54
